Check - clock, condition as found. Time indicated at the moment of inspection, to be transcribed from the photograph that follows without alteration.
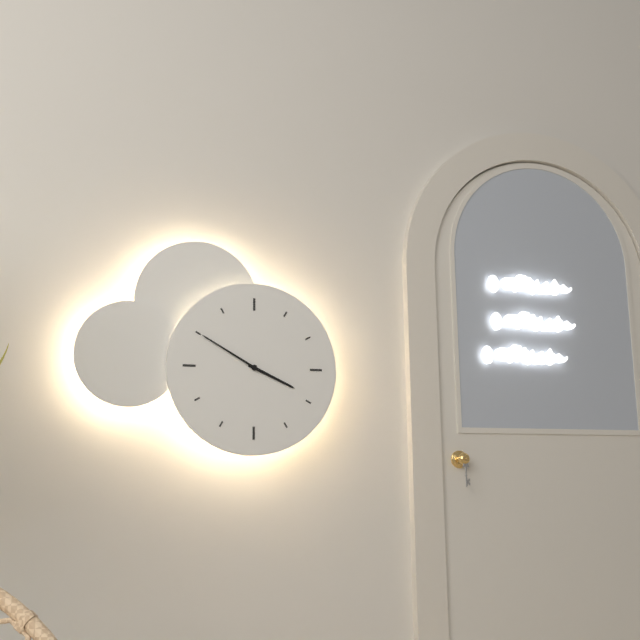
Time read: 3:50
